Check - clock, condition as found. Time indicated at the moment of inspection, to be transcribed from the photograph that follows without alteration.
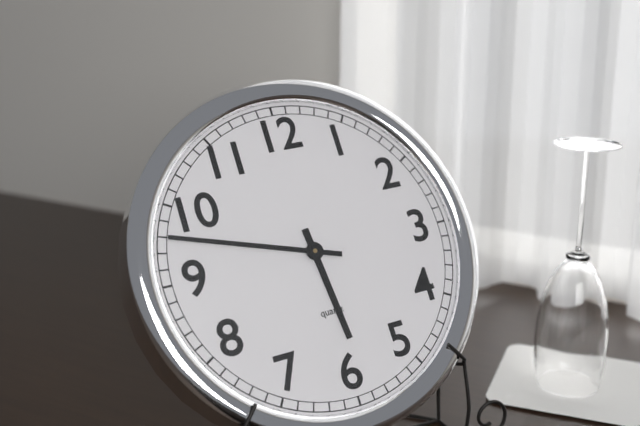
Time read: 5:48
